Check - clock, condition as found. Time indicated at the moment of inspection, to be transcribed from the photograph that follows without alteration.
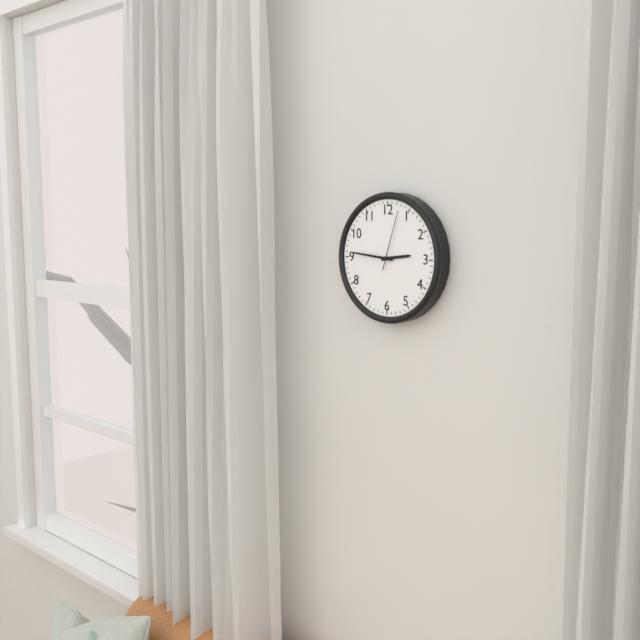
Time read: 2:46:03
